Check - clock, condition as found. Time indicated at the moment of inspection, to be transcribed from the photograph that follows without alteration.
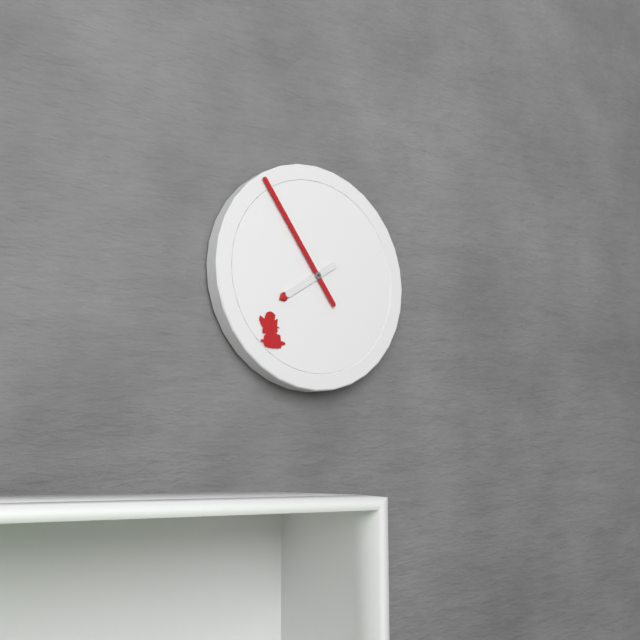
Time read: 7:54
